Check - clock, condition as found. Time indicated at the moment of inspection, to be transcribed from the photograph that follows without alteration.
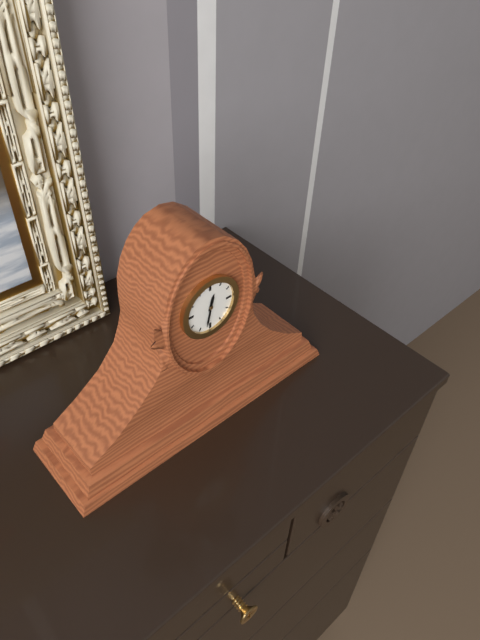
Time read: 12:32
